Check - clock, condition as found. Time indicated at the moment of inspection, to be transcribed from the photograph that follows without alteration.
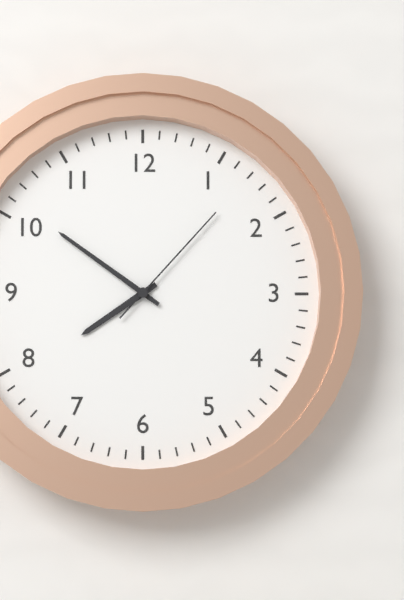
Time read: 7:51:07
